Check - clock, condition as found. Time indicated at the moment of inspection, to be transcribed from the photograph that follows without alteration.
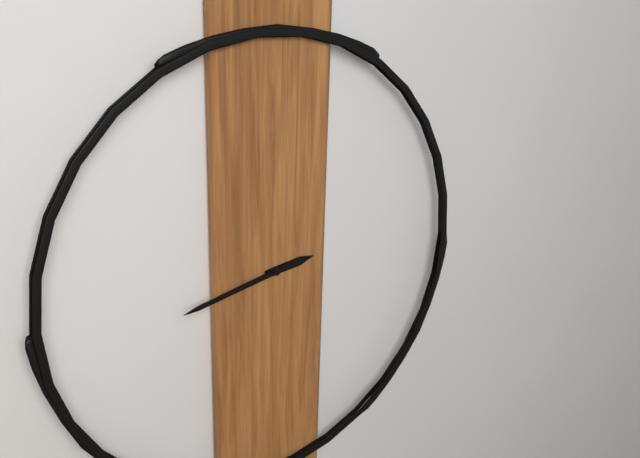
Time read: 2:43
